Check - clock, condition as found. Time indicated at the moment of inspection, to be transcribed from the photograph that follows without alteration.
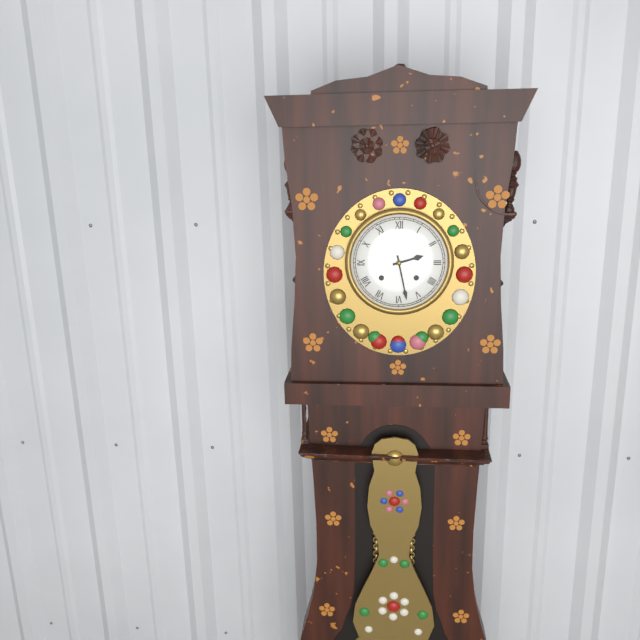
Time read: 2:28
